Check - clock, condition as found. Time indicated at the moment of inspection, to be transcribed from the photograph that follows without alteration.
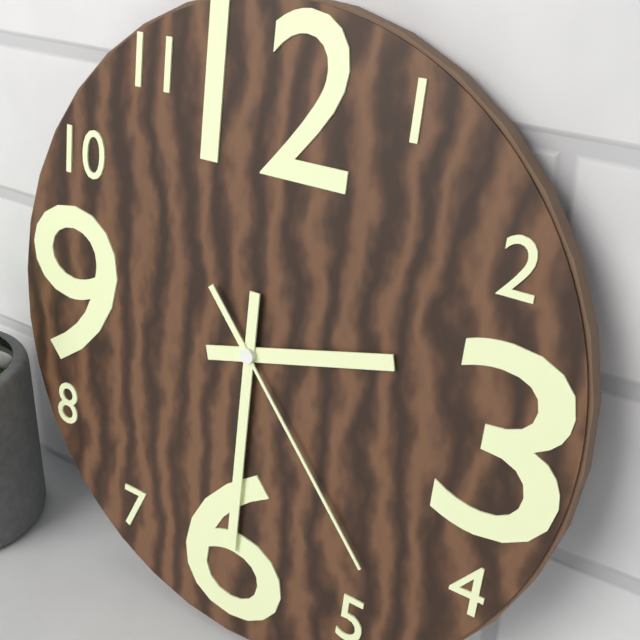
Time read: 2:30:23
